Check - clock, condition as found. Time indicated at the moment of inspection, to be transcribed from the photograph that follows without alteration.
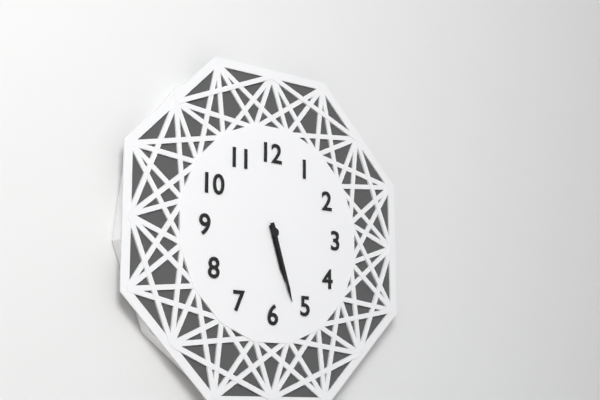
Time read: 5:27
